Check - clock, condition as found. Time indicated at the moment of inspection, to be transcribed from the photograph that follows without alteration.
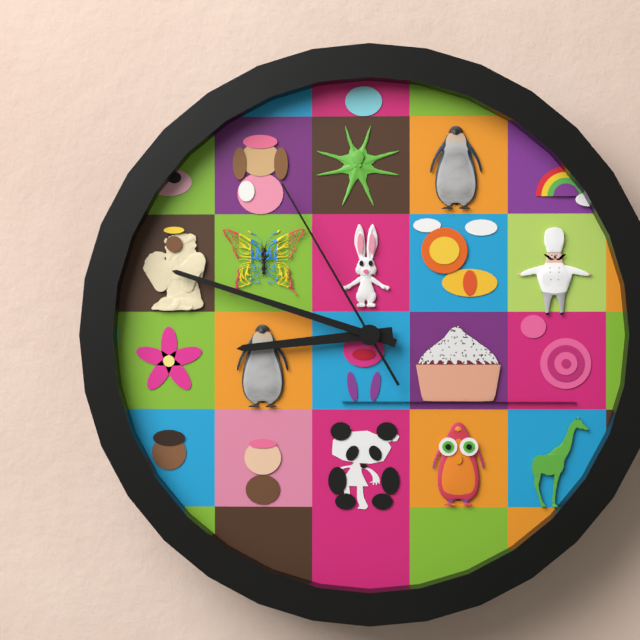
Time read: 8:48:55
